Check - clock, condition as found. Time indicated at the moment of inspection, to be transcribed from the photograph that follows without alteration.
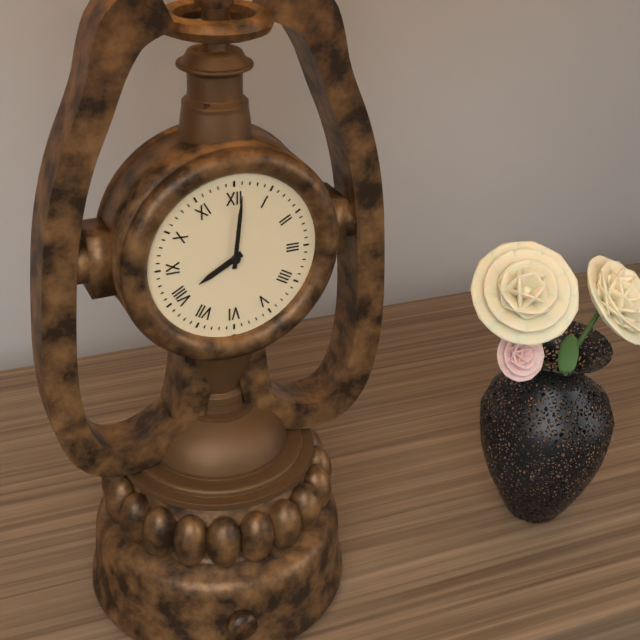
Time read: 8:01
